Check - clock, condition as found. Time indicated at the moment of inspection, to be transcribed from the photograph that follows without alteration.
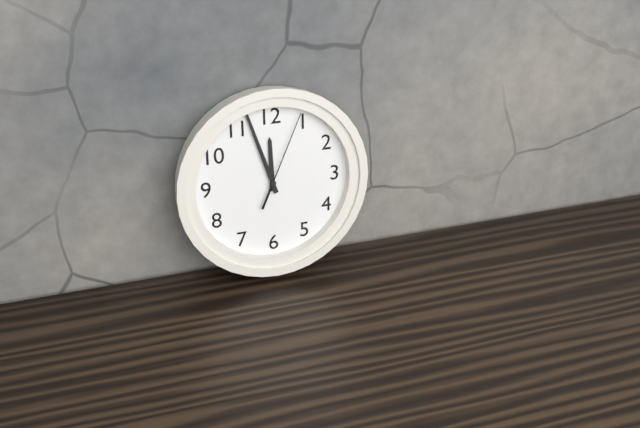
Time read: 11:57:04
